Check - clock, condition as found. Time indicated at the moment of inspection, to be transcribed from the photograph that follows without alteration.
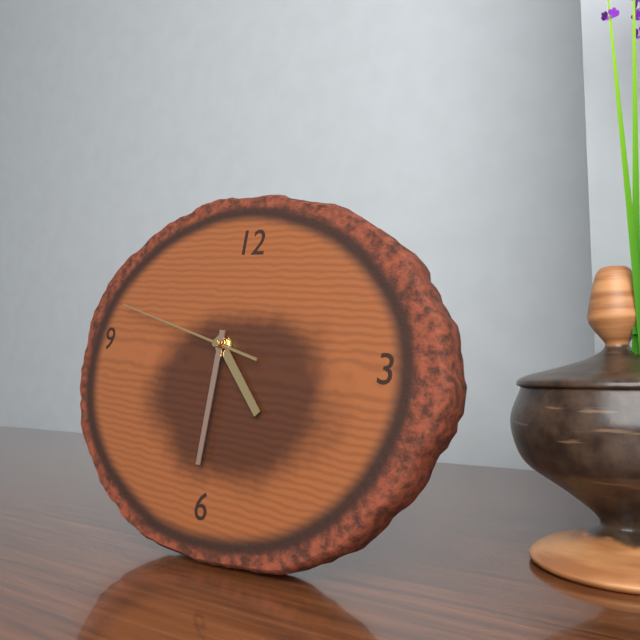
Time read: 4:30:47
